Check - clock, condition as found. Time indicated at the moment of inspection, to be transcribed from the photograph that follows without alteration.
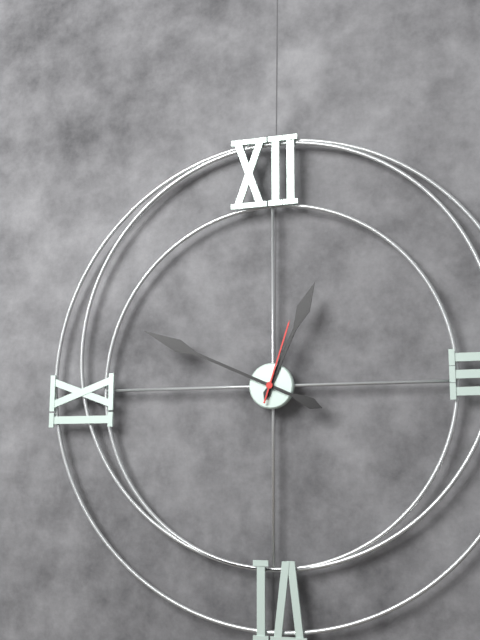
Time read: 12:49:03
